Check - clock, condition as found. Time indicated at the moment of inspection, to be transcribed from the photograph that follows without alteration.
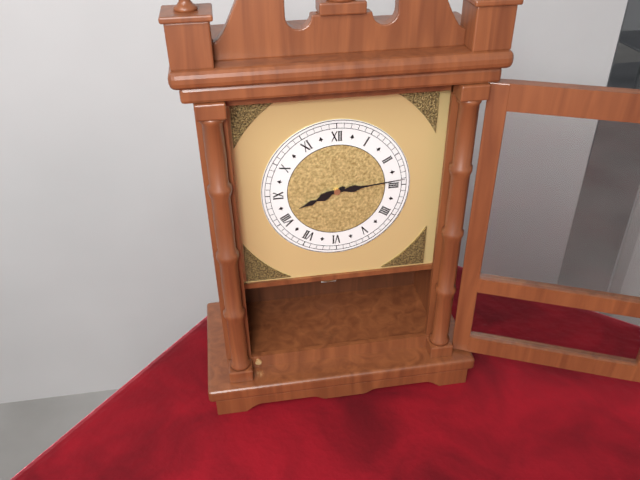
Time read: 8:14
